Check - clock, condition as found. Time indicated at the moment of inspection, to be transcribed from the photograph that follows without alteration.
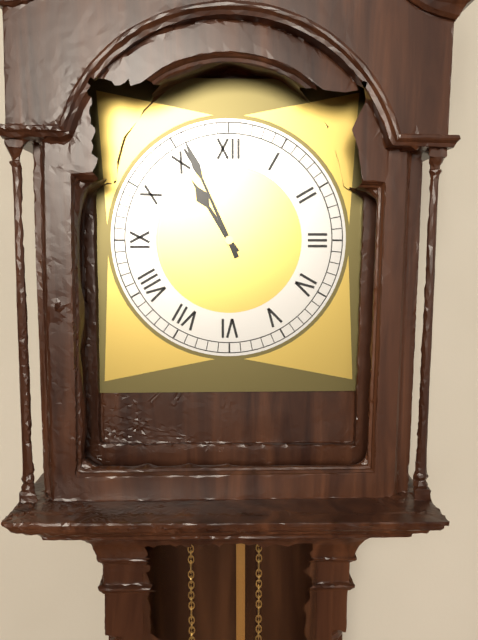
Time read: 10:56
